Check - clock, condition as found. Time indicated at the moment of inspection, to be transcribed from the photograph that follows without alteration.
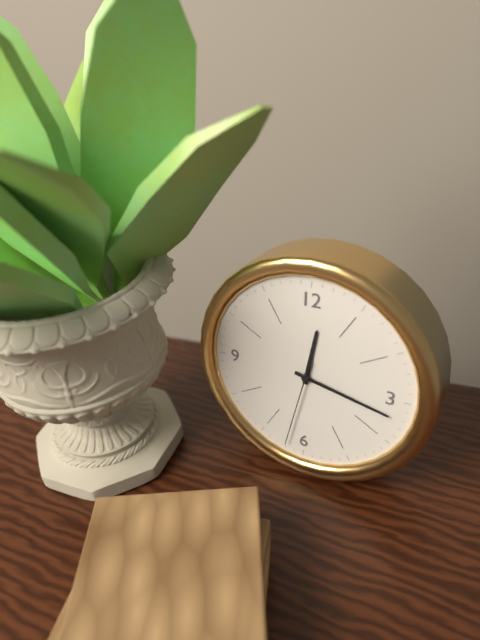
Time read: 12:17:32
